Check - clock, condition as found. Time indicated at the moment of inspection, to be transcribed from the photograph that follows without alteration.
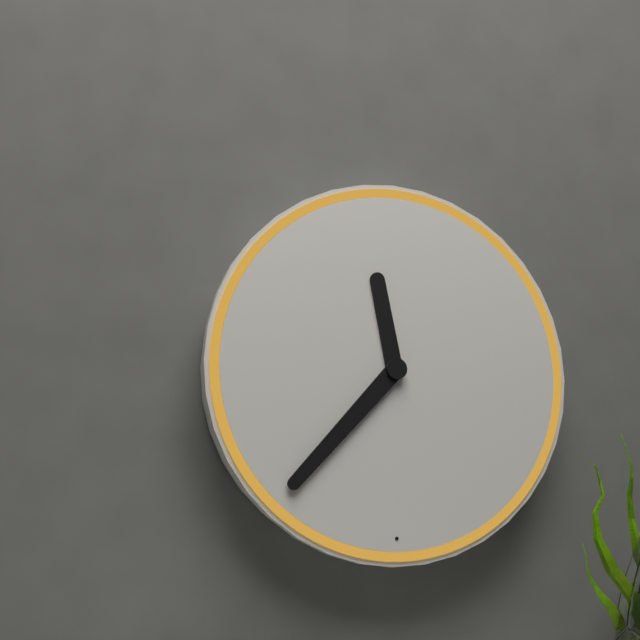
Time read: 11:37
